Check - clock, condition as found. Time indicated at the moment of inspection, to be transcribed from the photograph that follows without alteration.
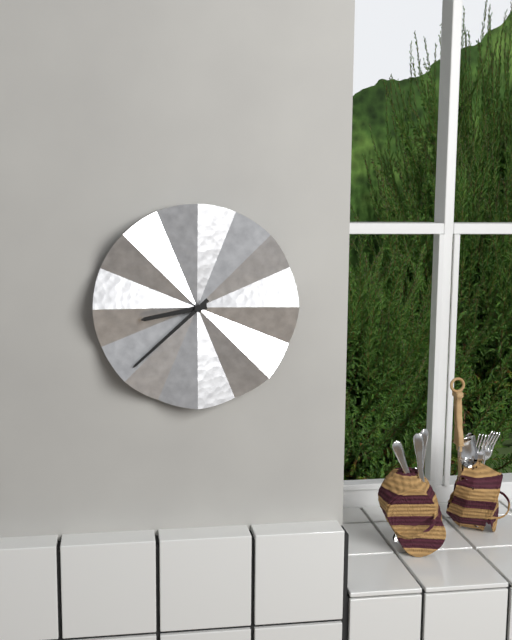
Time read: 8:38
